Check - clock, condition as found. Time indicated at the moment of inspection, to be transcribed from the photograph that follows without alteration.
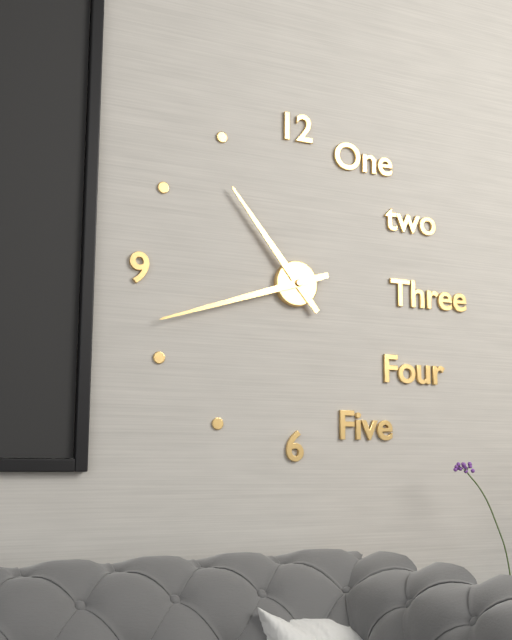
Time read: 10:42
